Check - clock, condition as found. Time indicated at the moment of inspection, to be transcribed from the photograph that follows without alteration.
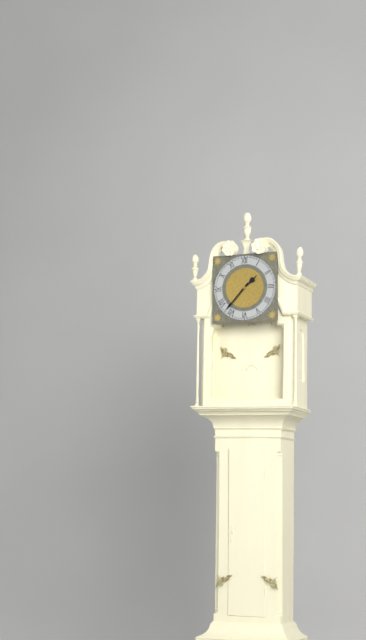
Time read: 1:37
